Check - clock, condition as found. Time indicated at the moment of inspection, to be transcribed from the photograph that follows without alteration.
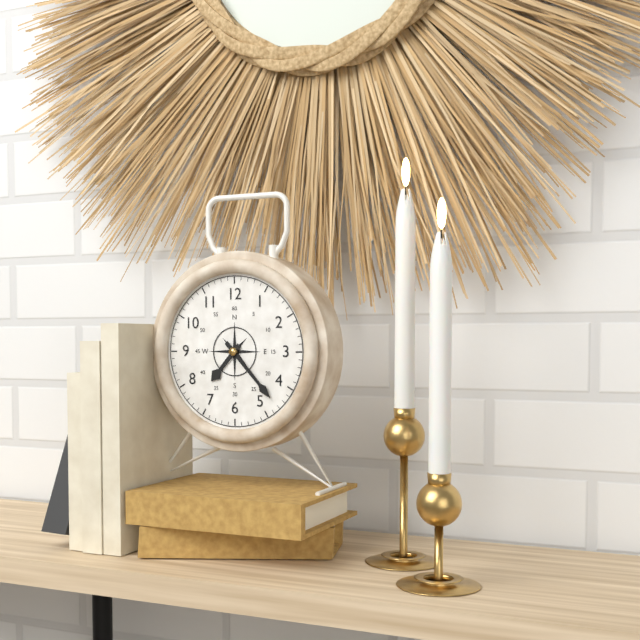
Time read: 7:23
